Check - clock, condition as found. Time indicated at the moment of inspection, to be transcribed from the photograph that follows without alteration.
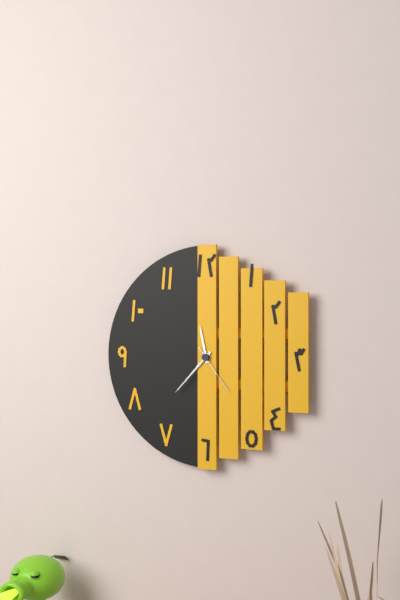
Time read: 11:37:24
